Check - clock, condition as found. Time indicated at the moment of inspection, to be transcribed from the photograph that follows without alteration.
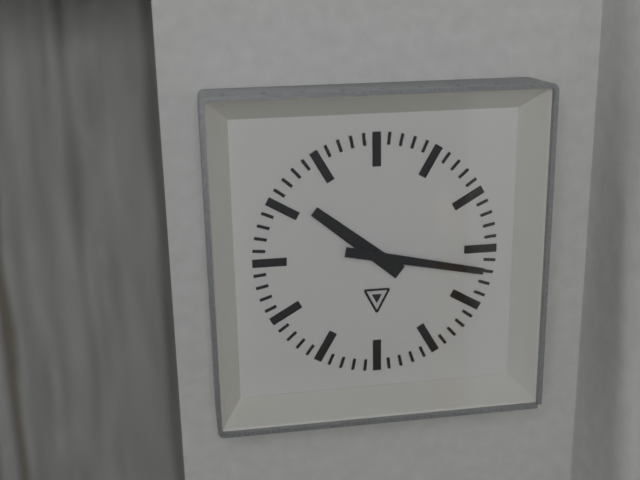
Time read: 10:17
